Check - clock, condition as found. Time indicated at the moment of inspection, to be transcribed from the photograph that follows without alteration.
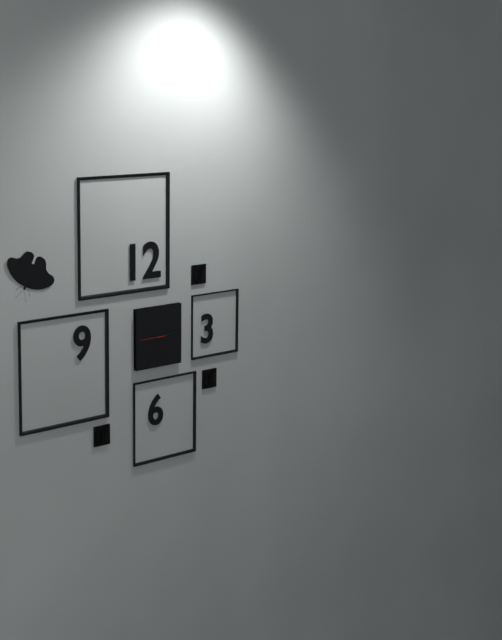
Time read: 3:14
